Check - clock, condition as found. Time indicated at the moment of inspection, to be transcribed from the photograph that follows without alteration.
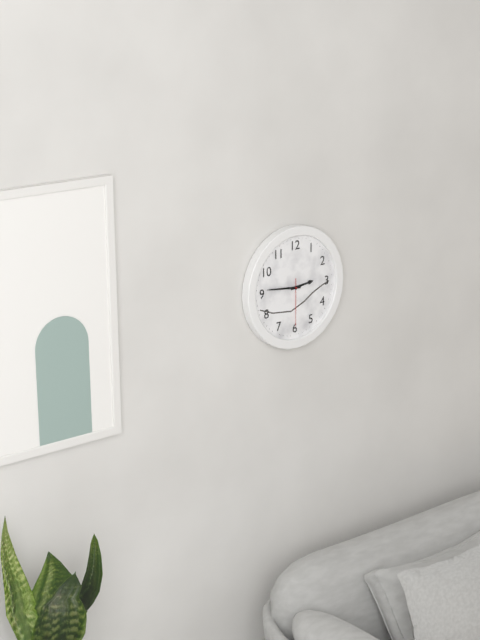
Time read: 2:46
